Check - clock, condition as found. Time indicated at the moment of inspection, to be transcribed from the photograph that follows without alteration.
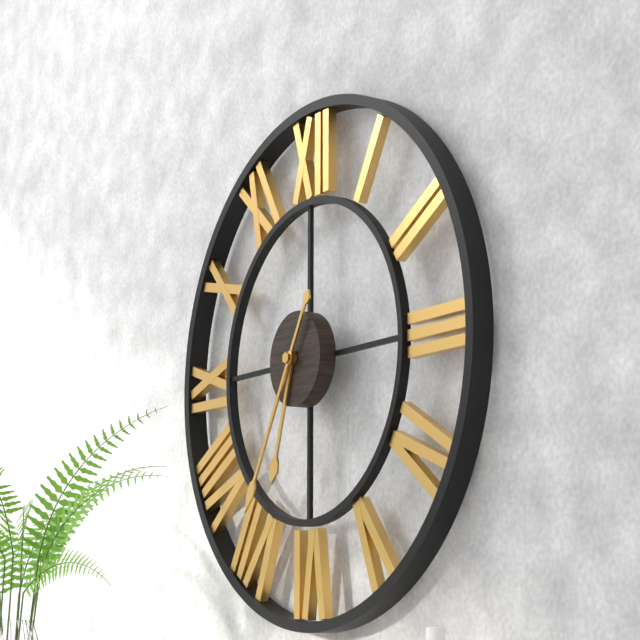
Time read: 6:35
